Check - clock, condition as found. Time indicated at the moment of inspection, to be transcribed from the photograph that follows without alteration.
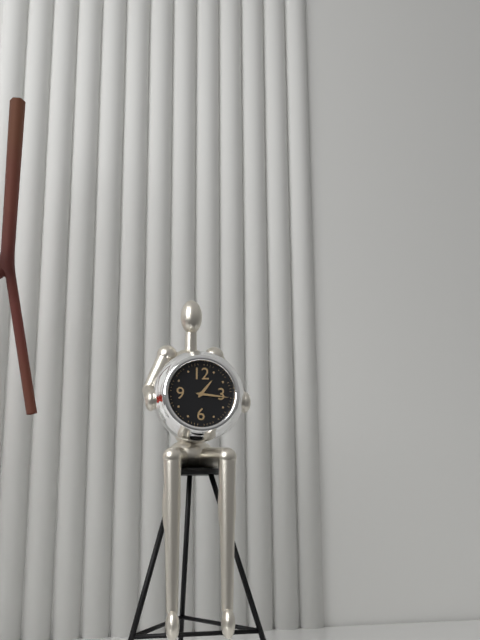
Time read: 1:16
